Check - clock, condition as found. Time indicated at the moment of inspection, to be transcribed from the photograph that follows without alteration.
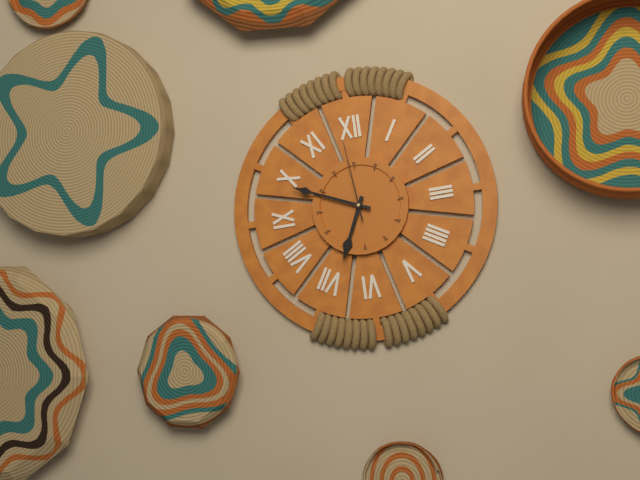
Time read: 6:49:59
